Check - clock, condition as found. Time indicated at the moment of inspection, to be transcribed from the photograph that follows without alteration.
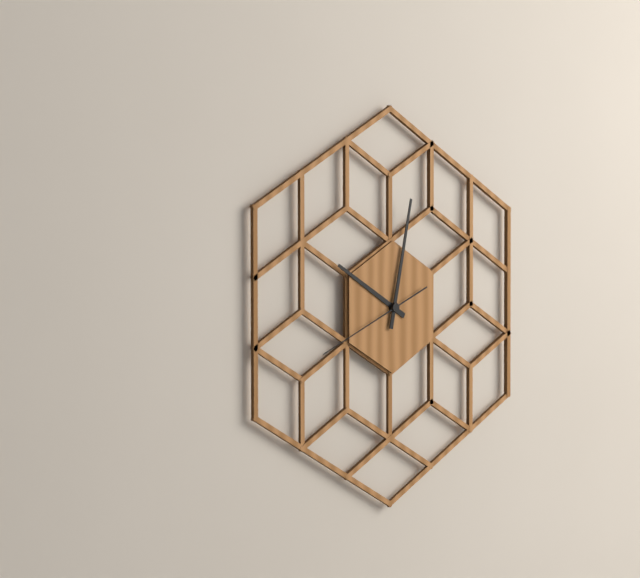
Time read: 10:02:41
